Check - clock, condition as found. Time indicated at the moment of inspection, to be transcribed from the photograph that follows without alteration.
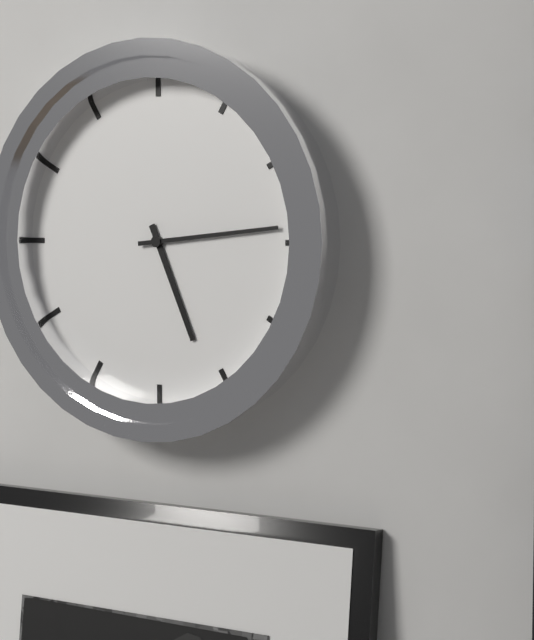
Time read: 5:14
